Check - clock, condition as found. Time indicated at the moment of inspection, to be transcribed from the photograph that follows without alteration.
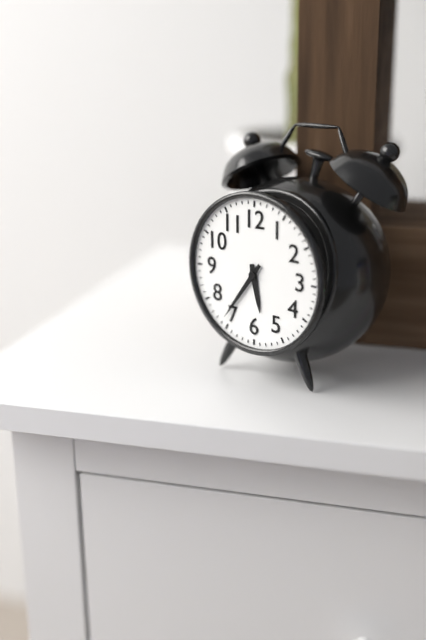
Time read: 5:36
